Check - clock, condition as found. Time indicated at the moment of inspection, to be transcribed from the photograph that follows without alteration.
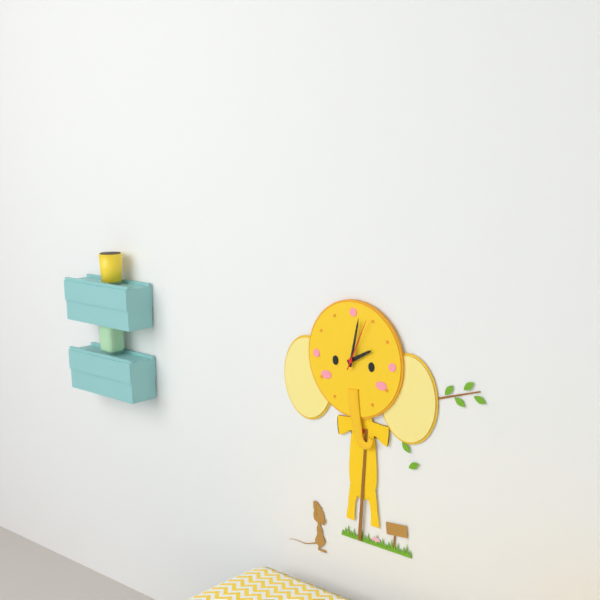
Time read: 2:02:04
